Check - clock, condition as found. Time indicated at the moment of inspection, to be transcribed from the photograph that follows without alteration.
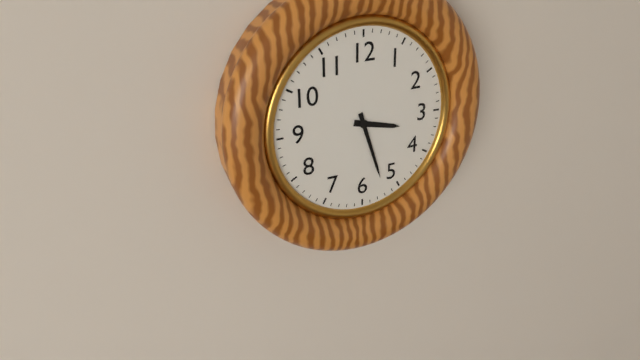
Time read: 3:27
